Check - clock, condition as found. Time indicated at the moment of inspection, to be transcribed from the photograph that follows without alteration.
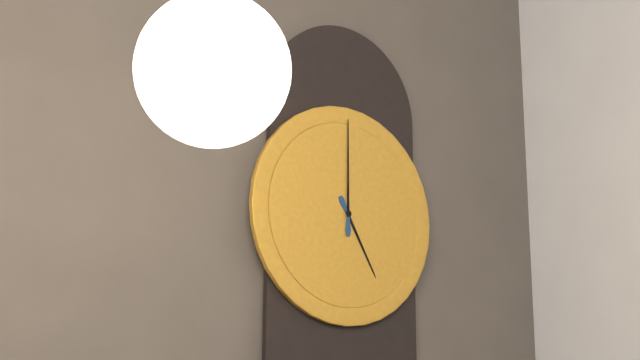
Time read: 5:00
